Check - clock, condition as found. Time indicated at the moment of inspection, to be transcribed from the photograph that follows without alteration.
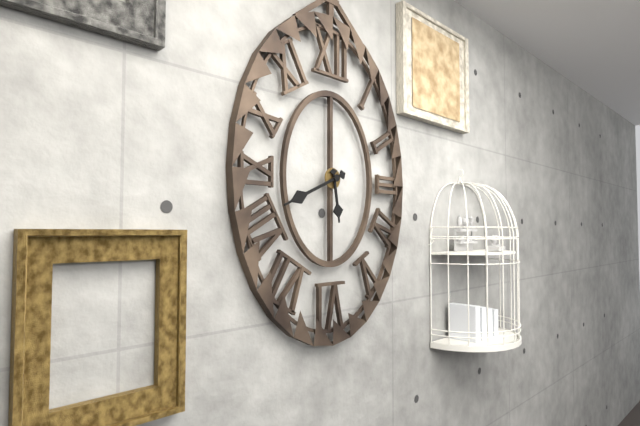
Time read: 5:41
